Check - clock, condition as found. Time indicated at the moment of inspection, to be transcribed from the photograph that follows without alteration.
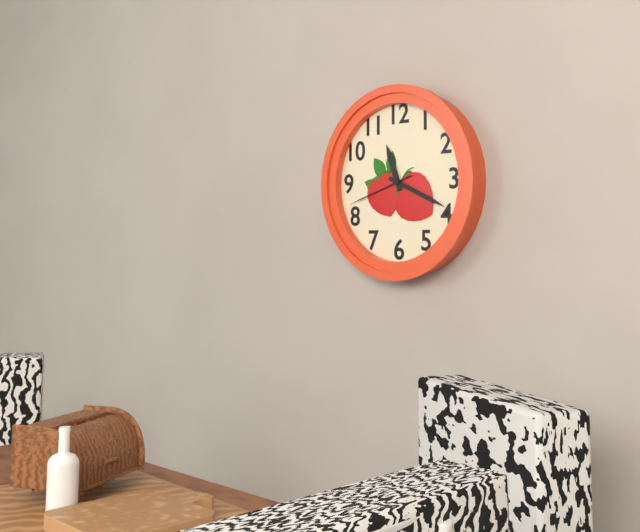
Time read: 11:19:42
